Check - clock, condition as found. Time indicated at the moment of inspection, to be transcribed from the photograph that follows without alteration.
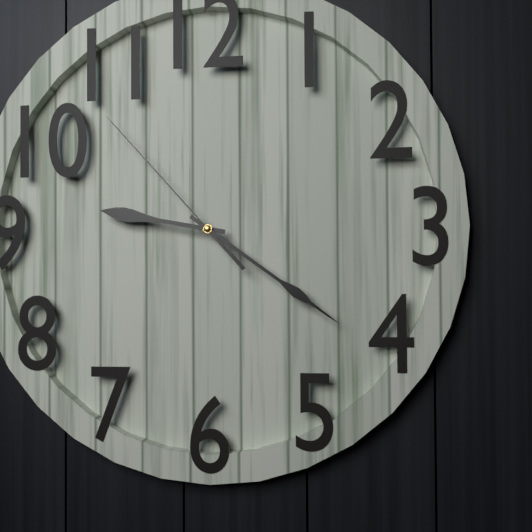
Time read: 9:21:53
